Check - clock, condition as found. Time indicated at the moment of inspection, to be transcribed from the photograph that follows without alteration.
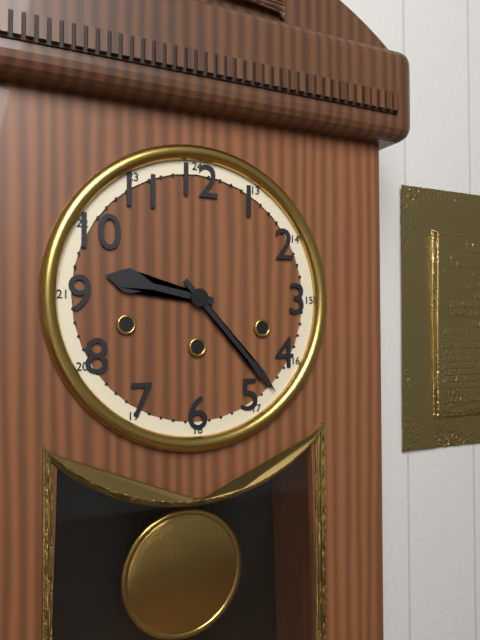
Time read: 9:23
